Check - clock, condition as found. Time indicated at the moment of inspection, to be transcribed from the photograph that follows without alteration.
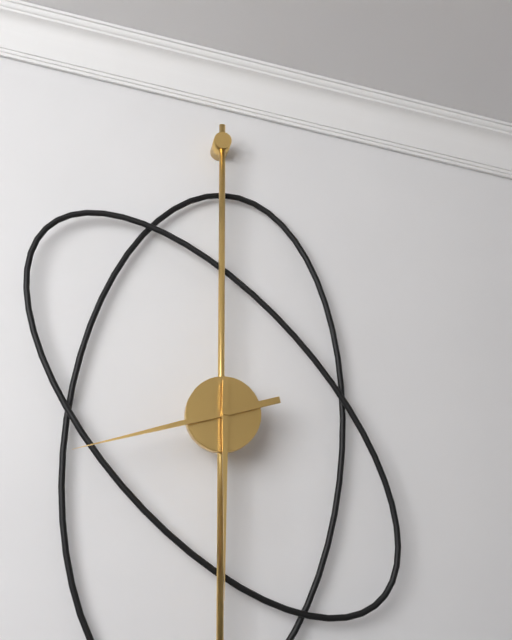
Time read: 8:30
